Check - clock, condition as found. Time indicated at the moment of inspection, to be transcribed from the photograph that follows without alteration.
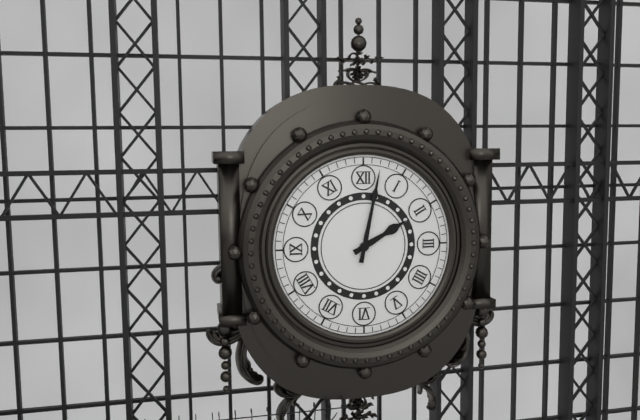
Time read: 2:02
